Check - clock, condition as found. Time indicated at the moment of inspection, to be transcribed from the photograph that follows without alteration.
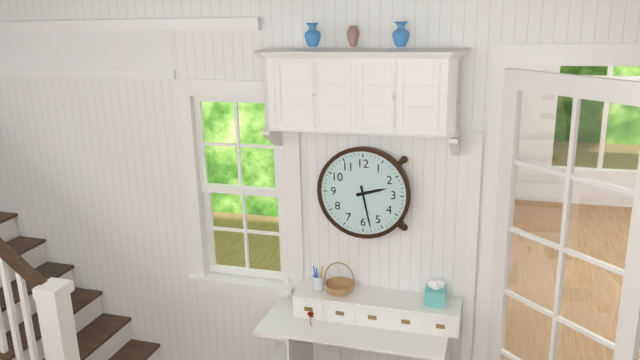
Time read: 2:28
